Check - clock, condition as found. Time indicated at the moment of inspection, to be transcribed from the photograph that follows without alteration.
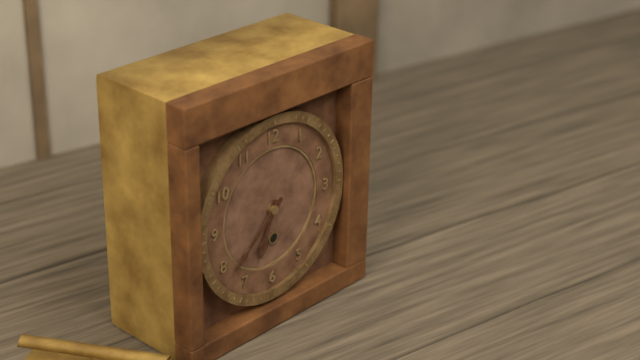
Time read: 6:38
